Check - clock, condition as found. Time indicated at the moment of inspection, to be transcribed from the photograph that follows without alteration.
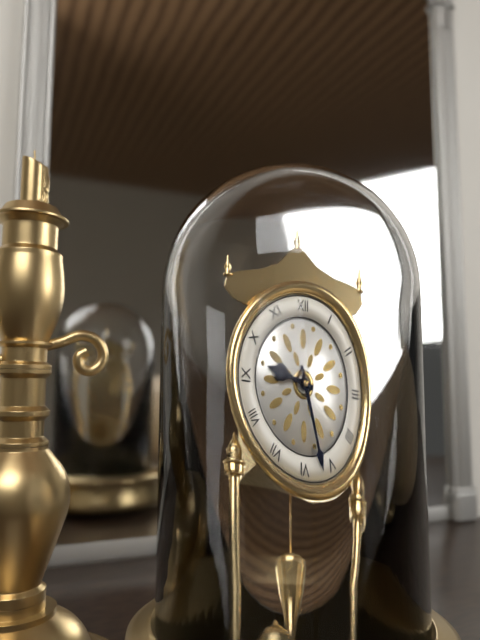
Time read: 9:27
